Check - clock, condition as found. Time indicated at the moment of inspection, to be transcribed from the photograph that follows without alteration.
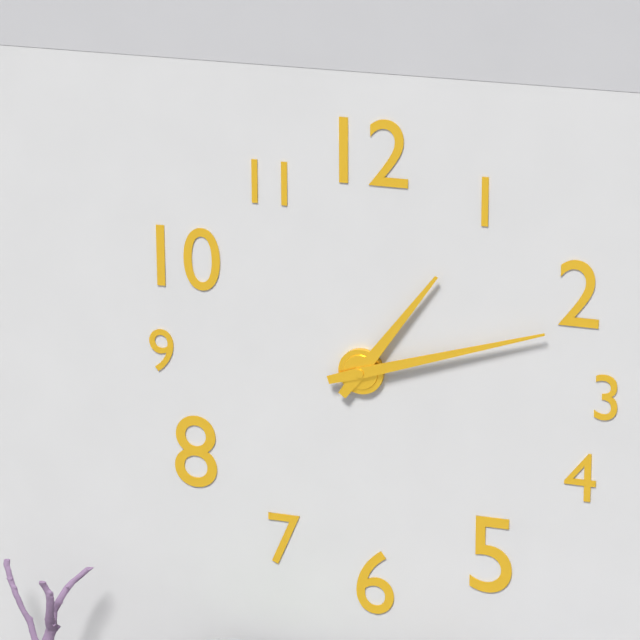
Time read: 1:12
